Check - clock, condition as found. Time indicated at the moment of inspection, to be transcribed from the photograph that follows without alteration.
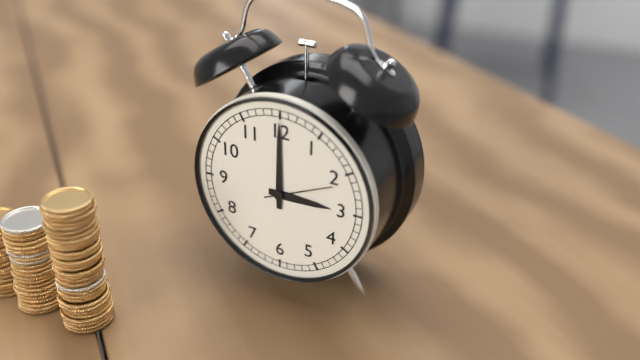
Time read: 3:00:11
